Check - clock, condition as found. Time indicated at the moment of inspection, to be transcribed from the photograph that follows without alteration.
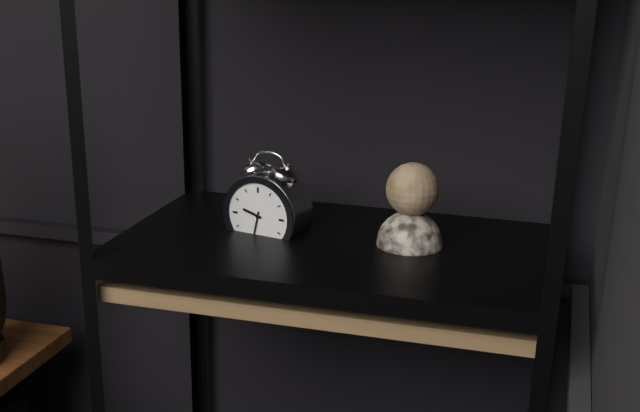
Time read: 9:32
